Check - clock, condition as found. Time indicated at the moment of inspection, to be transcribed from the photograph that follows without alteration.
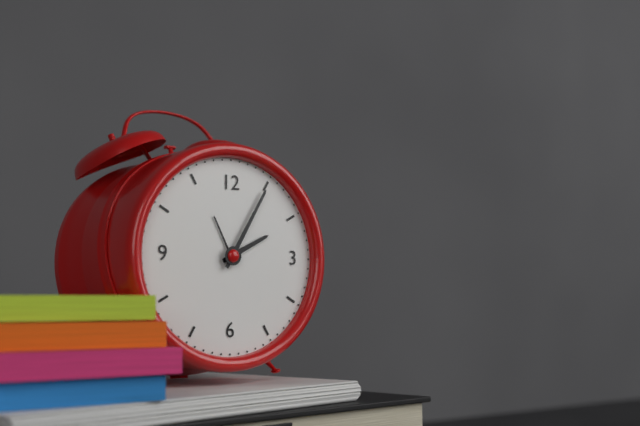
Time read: 2:05
